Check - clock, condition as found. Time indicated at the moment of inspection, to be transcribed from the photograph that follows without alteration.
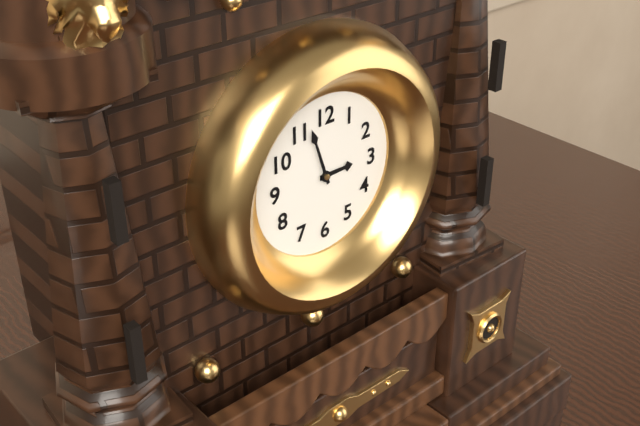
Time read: 2:57
